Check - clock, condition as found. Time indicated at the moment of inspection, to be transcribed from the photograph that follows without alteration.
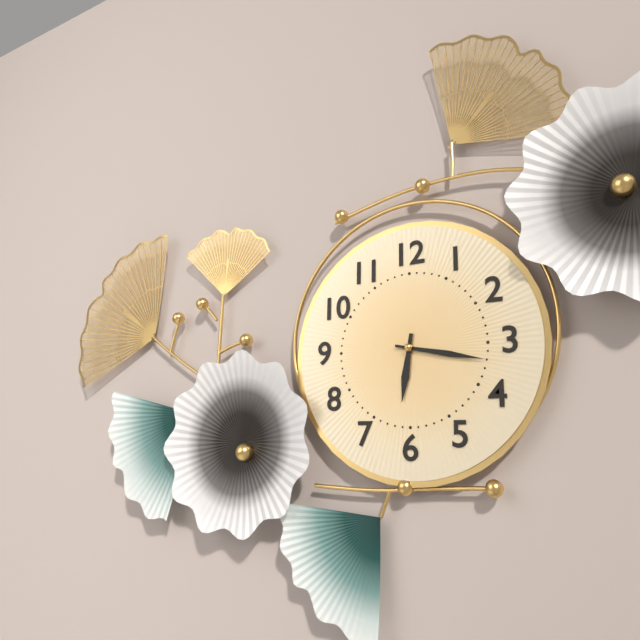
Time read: 6:17
